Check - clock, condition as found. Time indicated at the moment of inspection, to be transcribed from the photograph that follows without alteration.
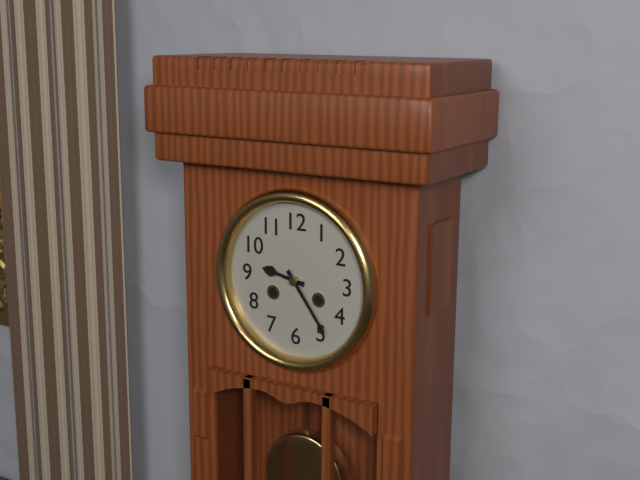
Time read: 9:24
